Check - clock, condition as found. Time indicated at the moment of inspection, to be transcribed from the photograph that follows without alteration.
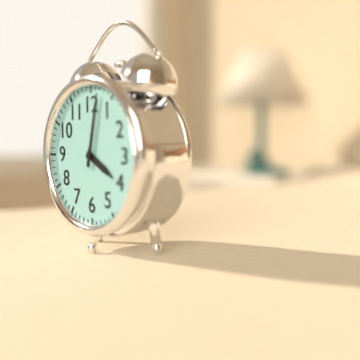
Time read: 4:02
